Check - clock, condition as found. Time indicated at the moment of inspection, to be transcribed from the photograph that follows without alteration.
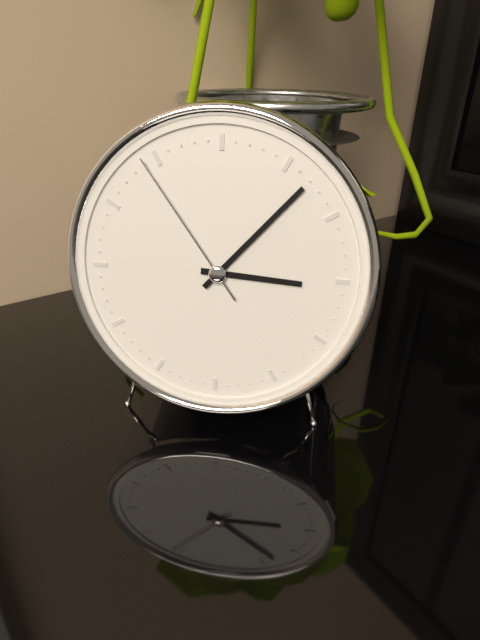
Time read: 3:07:54
